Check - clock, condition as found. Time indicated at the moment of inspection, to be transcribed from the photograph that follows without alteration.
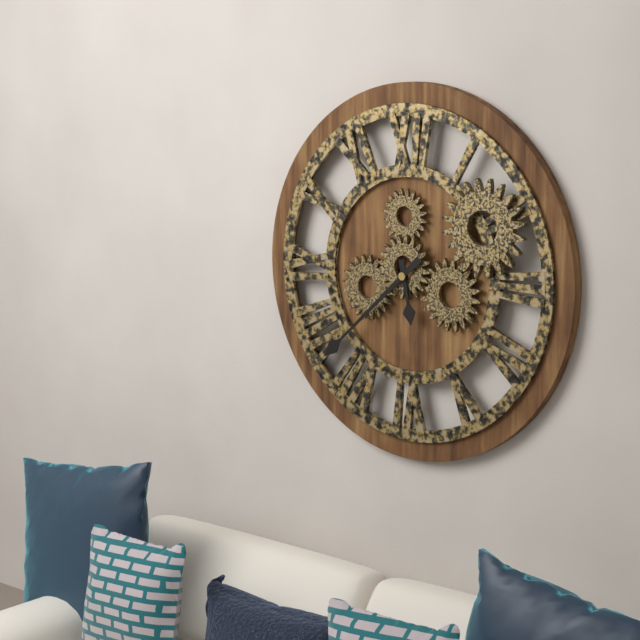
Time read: 5:38
